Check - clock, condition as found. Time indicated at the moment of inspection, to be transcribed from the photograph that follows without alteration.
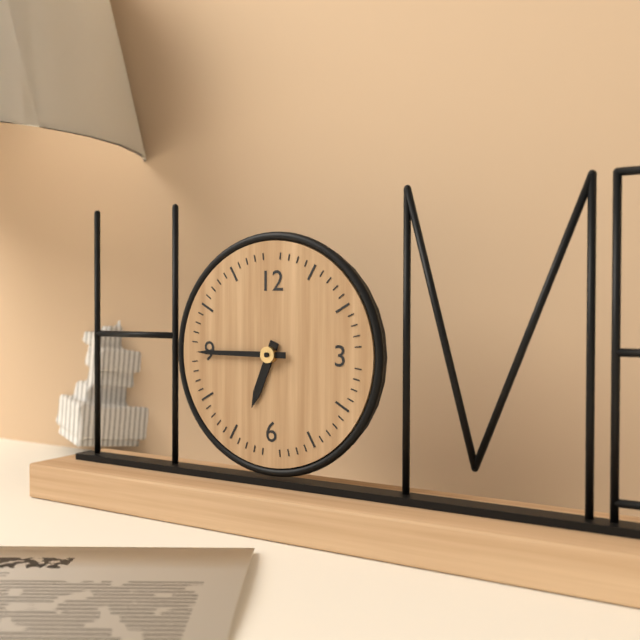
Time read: 6:45
